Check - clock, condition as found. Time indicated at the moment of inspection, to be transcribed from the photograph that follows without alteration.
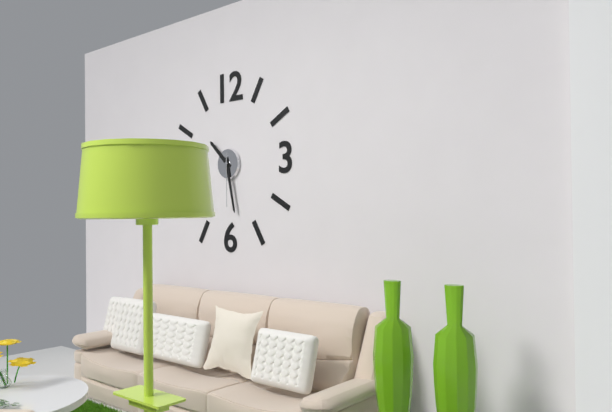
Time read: 10:28:30
